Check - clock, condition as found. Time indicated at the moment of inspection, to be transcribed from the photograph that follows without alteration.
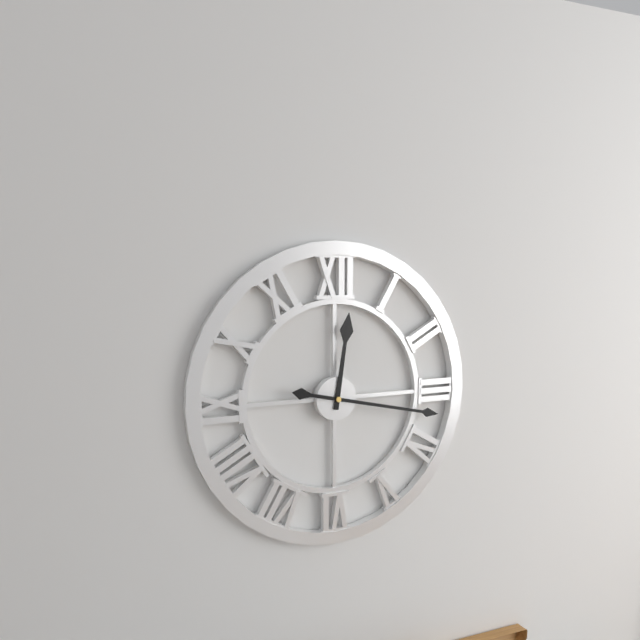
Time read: 12:17
